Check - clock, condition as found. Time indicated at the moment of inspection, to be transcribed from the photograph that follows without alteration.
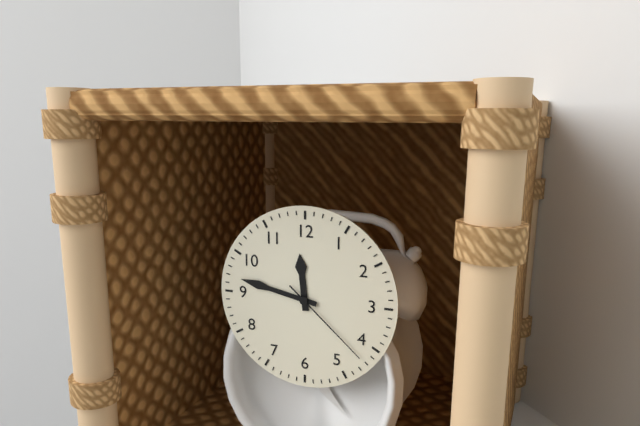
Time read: 11:47:22
